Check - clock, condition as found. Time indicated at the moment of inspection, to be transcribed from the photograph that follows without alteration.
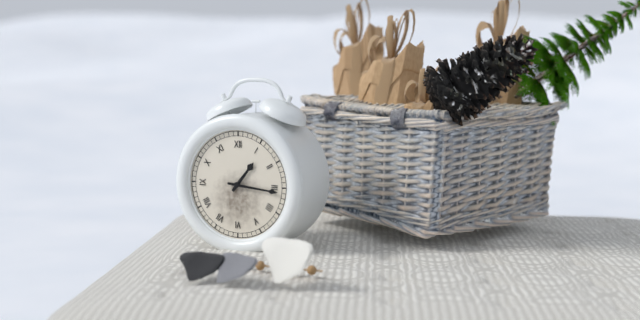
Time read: 1:16
